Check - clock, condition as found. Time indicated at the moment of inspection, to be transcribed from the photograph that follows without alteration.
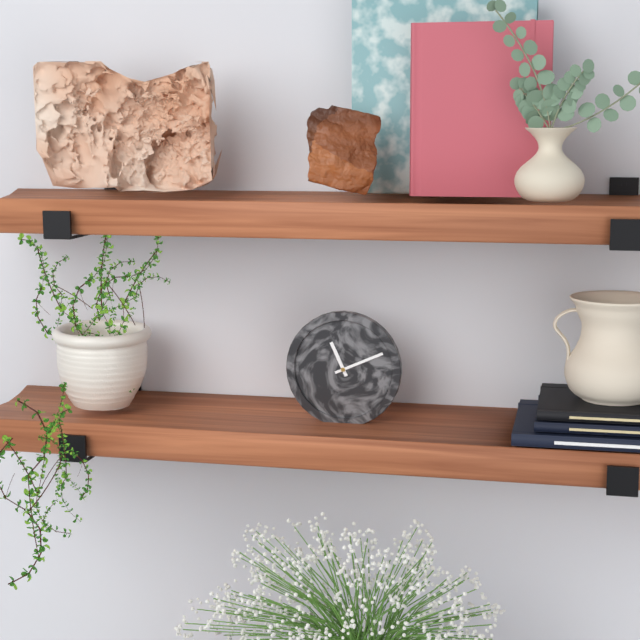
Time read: 11:11
